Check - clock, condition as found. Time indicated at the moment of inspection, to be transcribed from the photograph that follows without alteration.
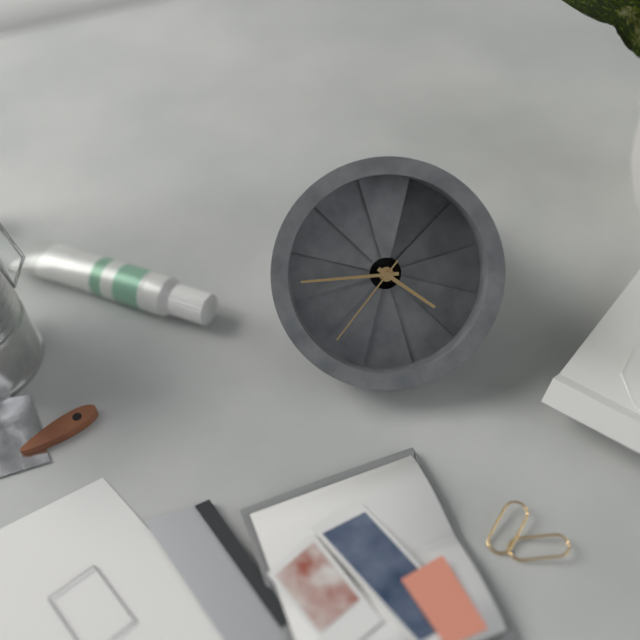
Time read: 3:42:34
